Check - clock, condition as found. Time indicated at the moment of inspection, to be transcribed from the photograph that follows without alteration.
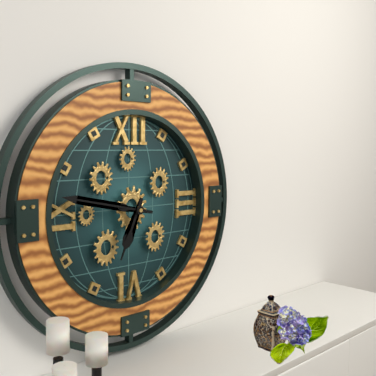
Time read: 6:47
